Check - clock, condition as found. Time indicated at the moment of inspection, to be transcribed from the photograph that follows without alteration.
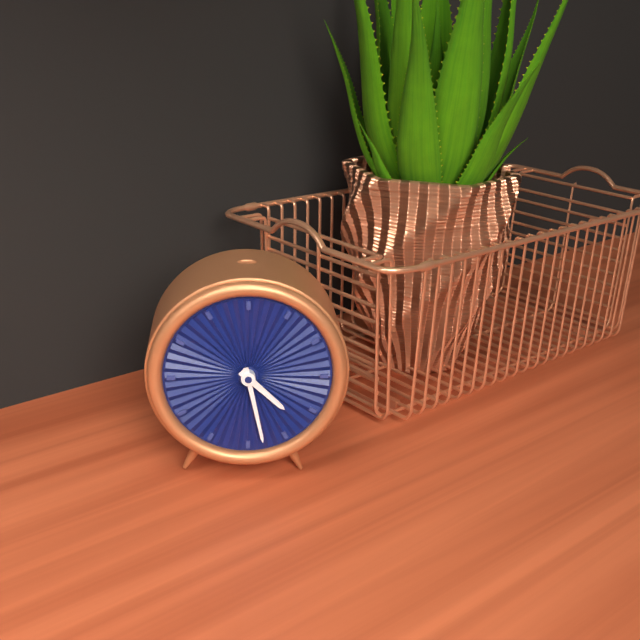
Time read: 4:28
